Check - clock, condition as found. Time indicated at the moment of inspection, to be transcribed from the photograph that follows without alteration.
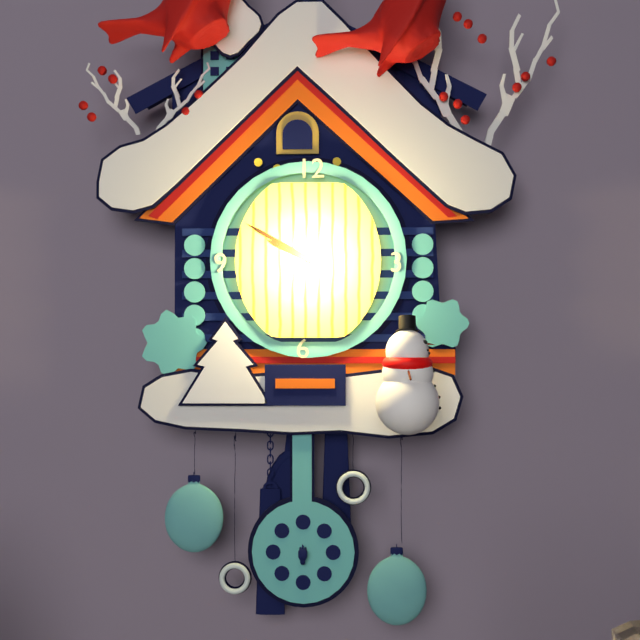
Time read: 9:50
